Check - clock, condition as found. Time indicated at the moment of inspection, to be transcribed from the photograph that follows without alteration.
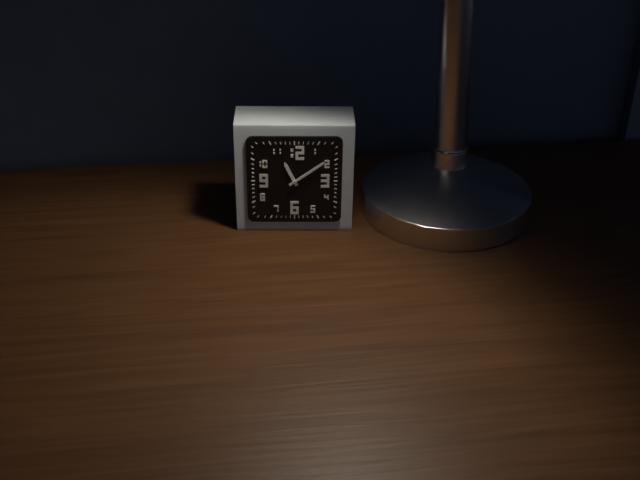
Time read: 11:09
